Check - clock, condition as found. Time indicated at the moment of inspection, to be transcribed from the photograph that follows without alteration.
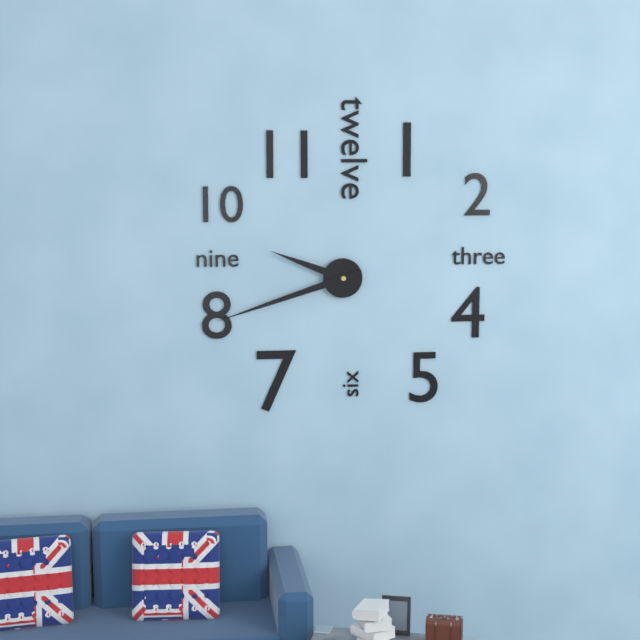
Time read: 9:42
